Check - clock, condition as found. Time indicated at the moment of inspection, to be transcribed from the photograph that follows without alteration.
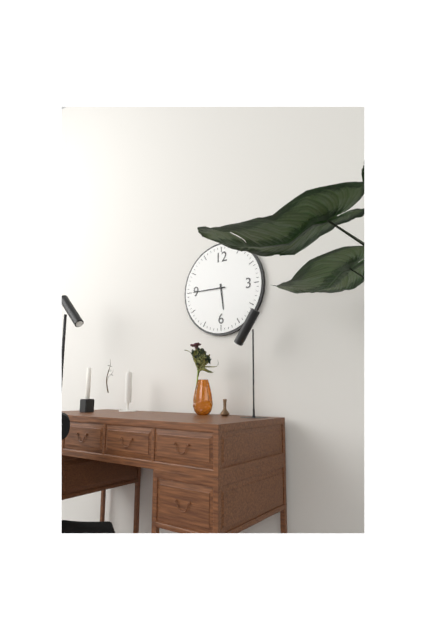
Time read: 5:45
